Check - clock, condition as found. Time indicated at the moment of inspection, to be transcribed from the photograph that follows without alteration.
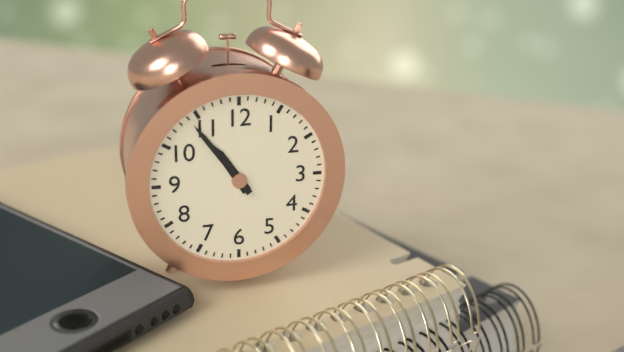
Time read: 10:54
